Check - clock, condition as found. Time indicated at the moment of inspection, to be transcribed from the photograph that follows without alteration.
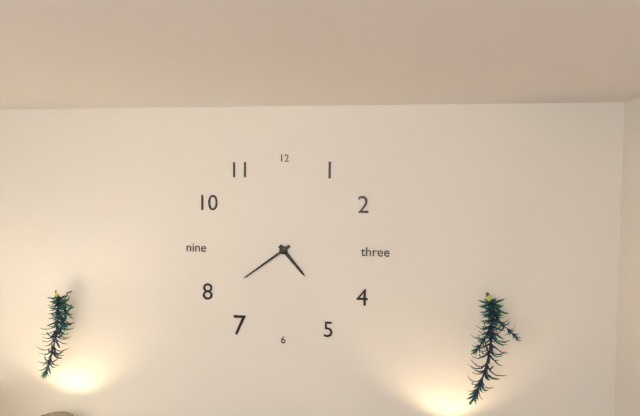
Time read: 4:39
